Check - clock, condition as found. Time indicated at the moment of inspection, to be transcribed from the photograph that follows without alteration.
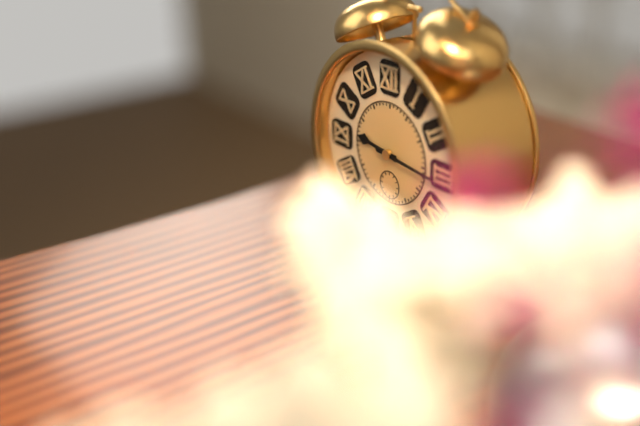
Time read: 9:16
